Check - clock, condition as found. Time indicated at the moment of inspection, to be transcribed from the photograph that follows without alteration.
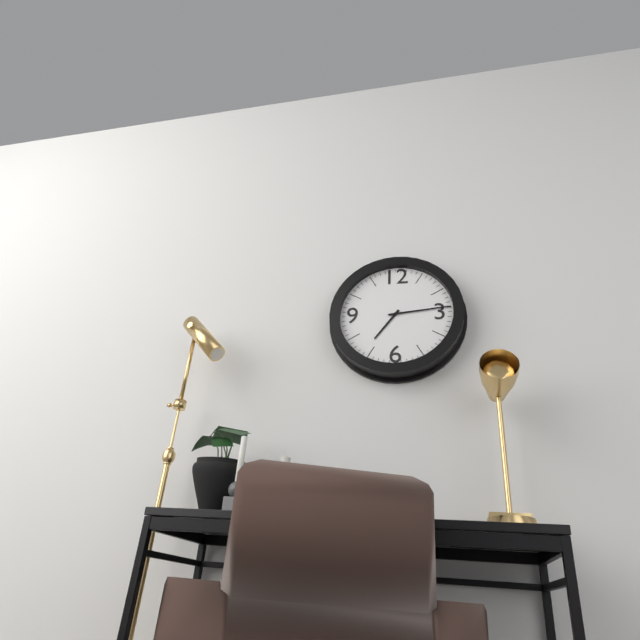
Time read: 7:14
